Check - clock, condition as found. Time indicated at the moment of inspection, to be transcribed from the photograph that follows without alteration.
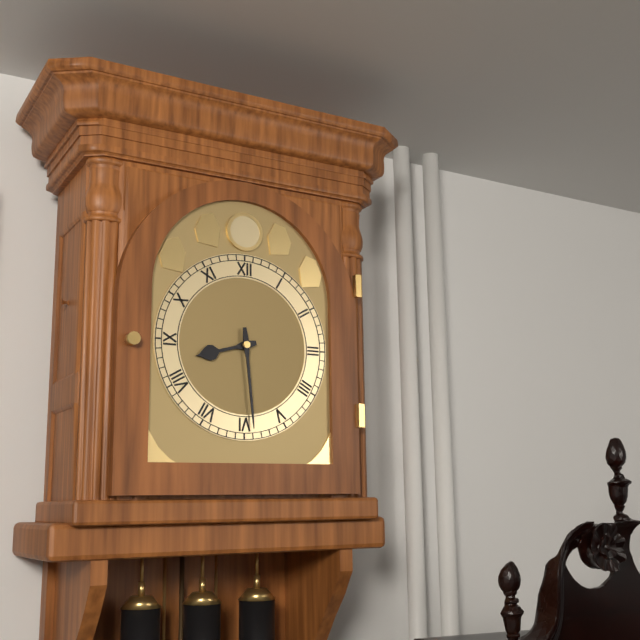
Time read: 8:29
